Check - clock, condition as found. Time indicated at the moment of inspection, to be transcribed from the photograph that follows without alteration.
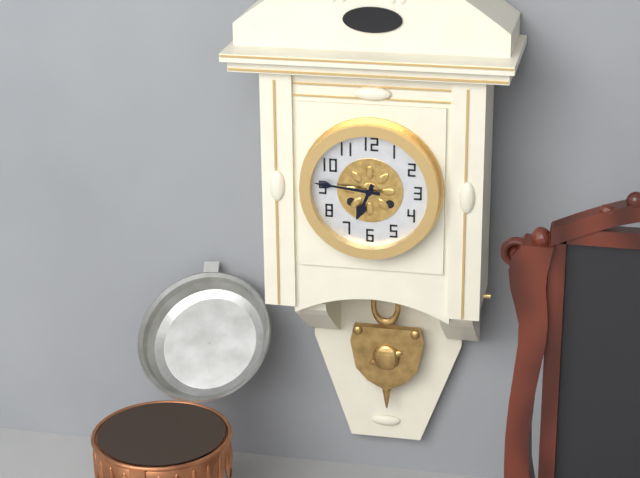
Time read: 6:46
